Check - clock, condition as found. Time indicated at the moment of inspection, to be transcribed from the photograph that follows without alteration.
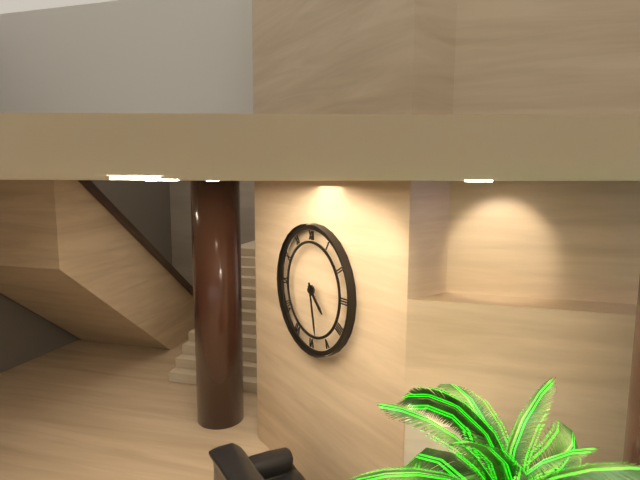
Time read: 4:28
